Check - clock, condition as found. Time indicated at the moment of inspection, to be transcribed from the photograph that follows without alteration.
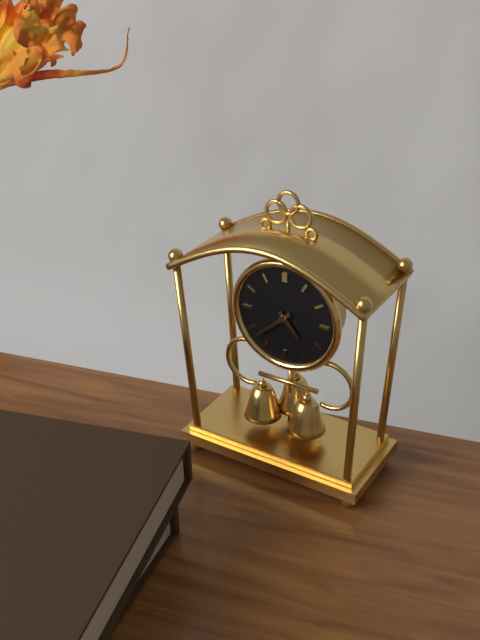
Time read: 4:38
